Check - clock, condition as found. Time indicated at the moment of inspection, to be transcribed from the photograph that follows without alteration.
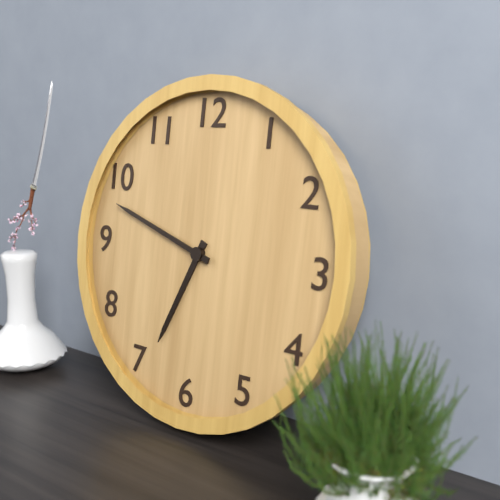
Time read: 6:48
